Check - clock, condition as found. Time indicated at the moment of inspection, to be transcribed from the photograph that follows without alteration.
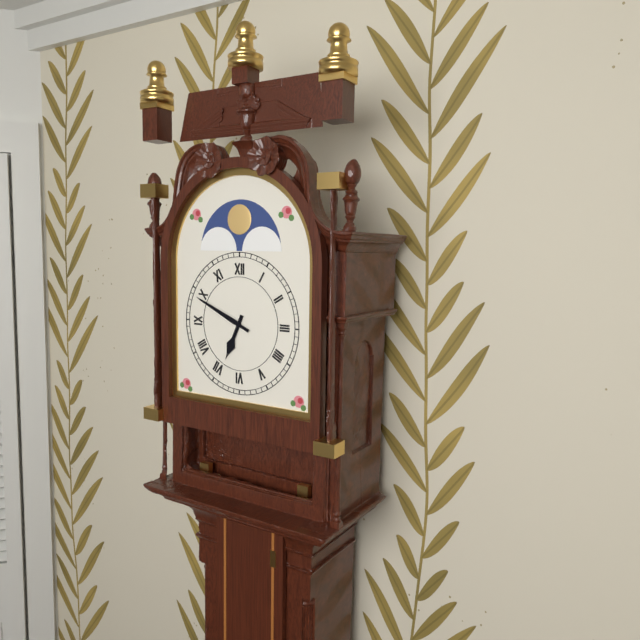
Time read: 6:49
